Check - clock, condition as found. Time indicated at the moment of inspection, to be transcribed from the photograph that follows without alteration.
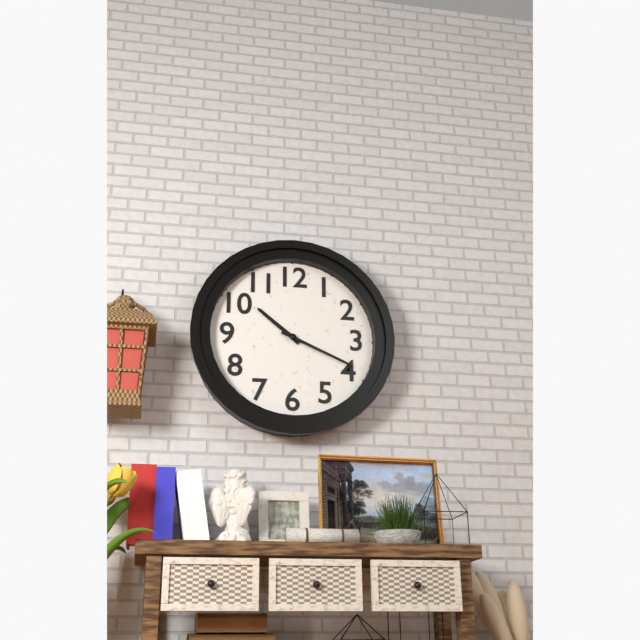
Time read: 10:19
